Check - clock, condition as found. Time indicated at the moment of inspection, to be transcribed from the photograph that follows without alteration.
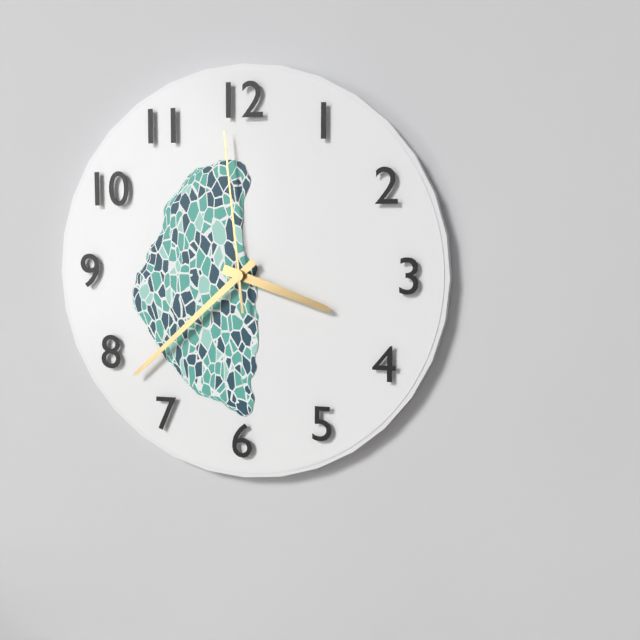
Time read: 3:38:59
